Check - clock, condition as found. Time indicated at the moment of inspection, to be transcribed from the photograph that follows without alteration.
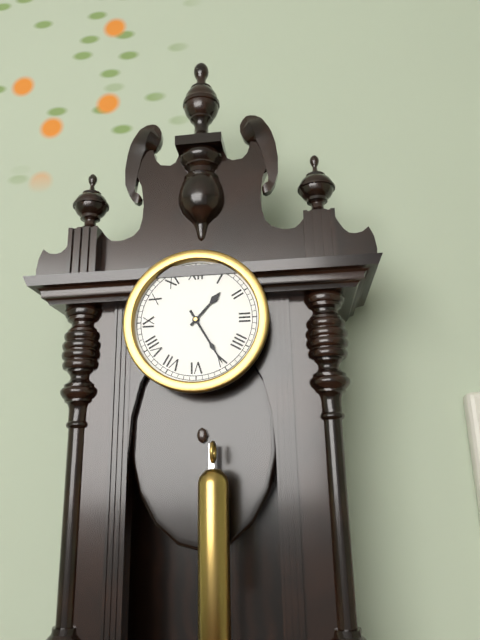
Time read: 1:25
